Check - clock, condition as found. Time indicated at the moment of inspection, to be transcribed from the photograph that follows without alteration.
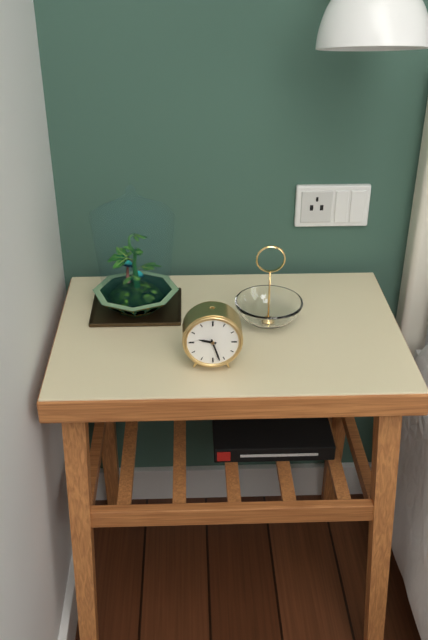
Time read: 9:27
